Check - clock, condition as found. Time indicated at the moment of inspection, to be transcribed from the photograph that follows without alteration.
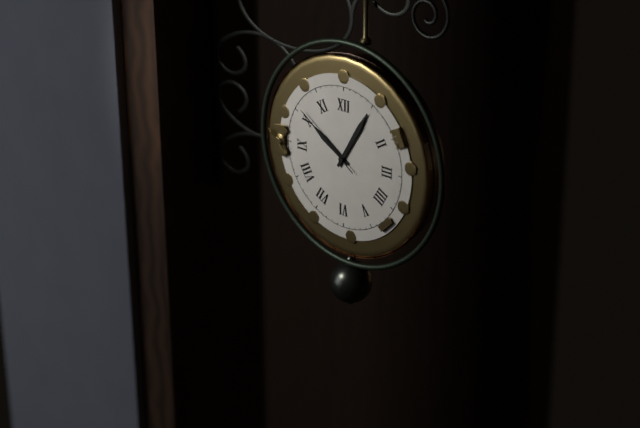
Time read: 10:05:51
